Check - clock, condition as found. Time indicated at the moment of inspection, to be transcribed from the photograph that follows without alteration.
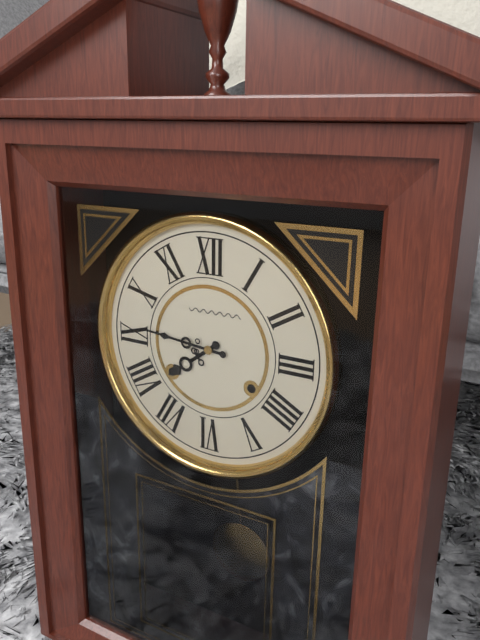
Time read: 7:46
